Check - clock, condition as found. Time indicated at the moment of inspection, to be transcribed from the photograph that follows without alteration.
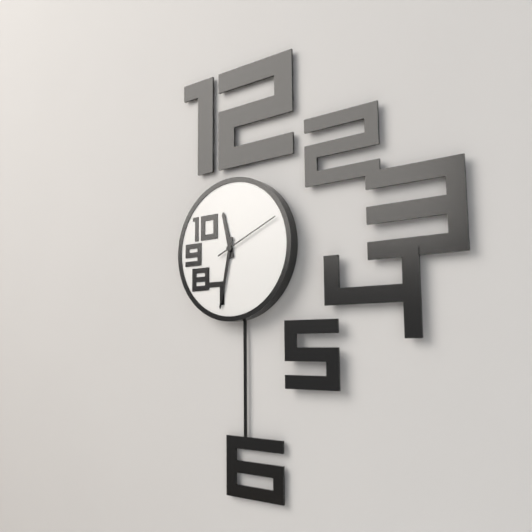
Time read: 11:32:11
